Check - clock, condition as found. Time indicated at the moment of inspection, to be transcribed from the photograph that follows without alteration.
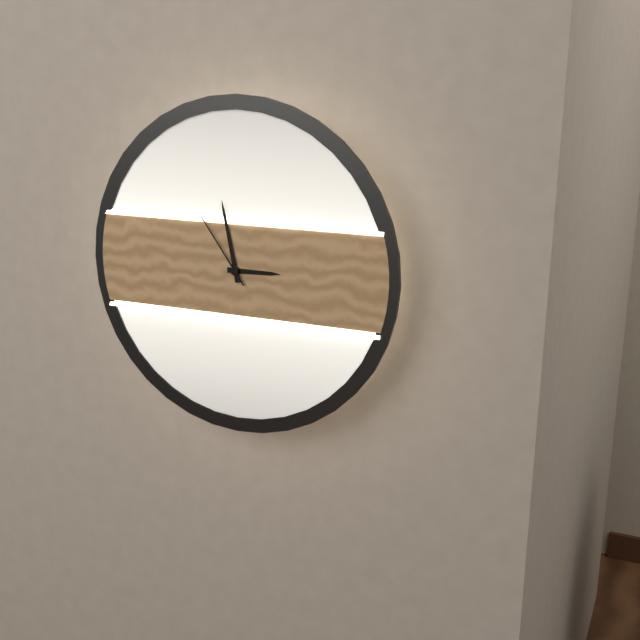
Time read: 2:58:54
